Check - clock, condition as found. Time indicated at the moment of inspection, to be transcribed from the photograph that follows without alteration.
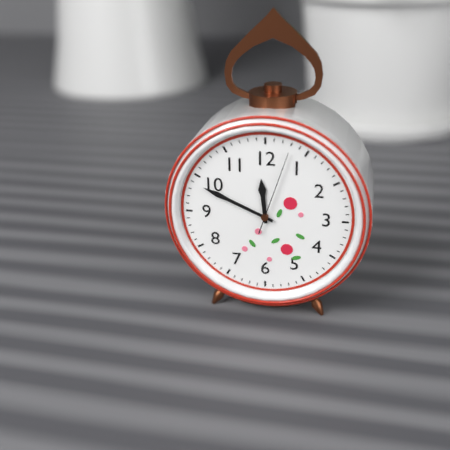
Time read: 11:49:03
